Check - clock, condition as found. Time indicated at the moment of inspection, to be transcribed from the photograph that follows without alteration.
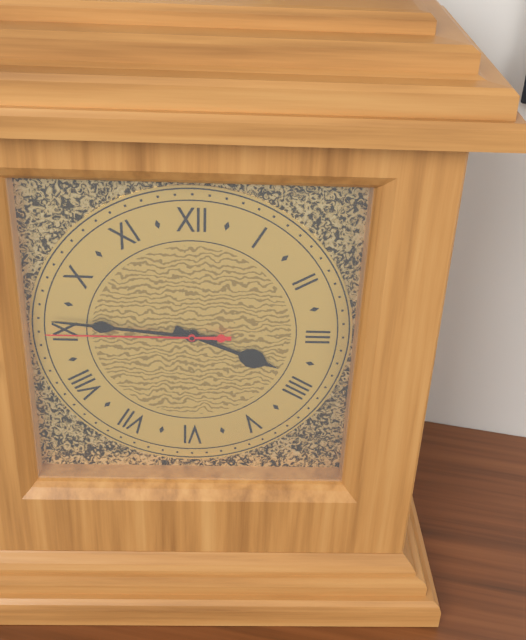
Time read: 3:46:45
